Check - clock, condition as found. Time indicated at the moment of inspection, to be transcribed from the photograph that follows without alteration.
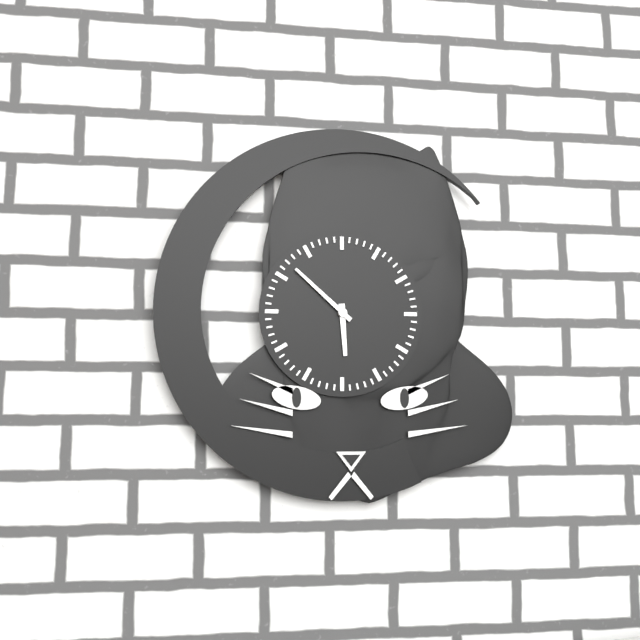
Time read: 5:52
